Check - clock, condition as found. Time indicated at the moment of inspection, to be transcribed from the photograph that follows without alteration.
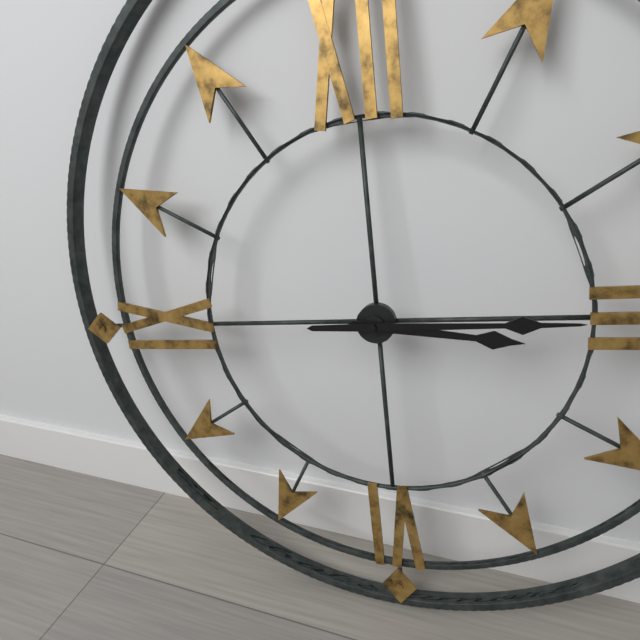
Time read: 3:15
